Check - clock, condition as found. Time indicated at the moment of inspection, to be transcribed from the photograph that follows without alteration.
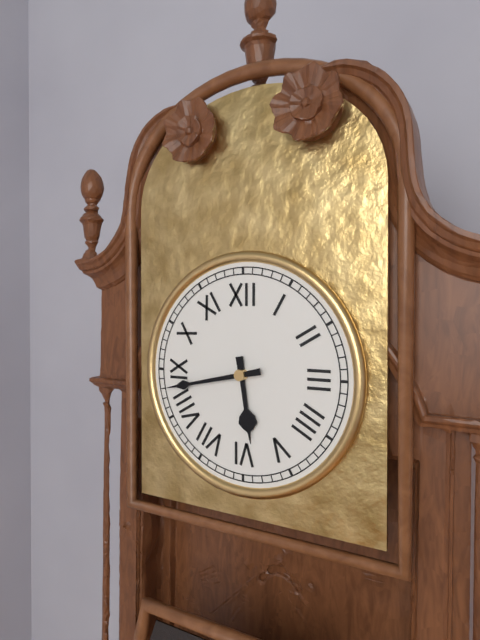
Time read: 5:43
